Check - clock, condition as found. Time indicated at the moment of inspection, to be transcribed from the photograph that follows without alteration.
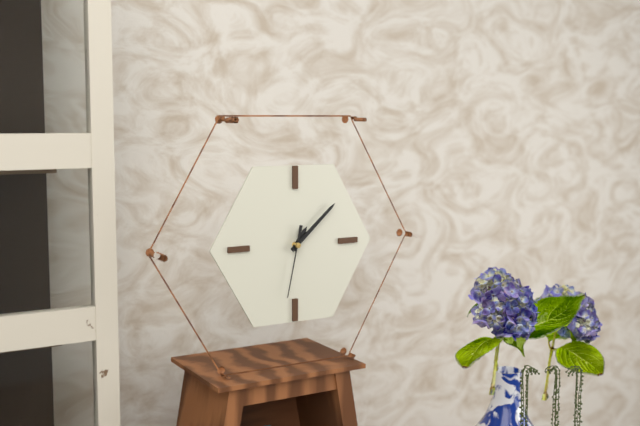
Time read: 1:08:32
